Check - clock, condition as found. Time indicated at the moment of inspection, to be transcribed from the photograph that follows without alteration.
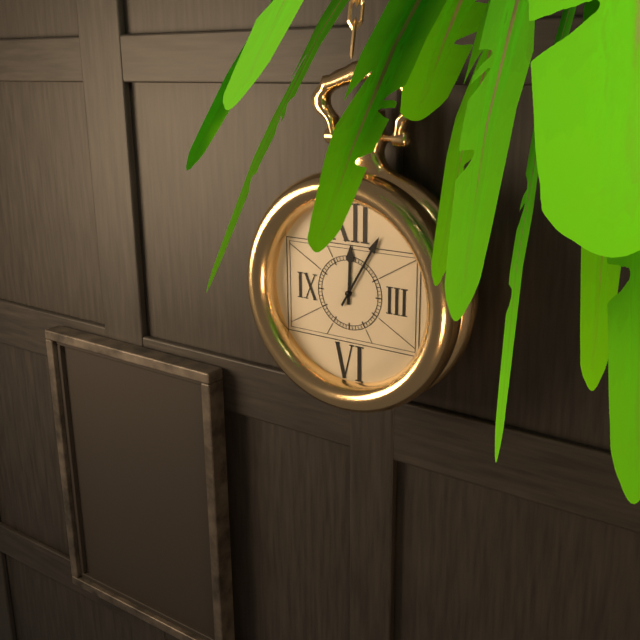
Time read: 12:05
